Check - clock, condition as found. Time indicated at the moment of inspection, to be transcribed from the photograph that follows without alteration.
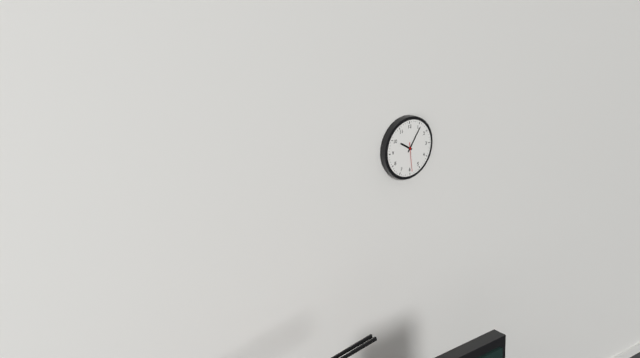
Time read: 10:06
